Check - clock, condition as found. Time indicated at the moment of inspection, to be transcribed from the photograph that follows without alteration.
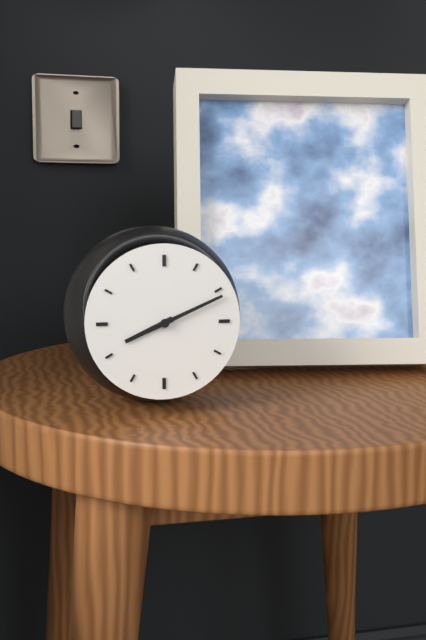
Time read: 8:11
